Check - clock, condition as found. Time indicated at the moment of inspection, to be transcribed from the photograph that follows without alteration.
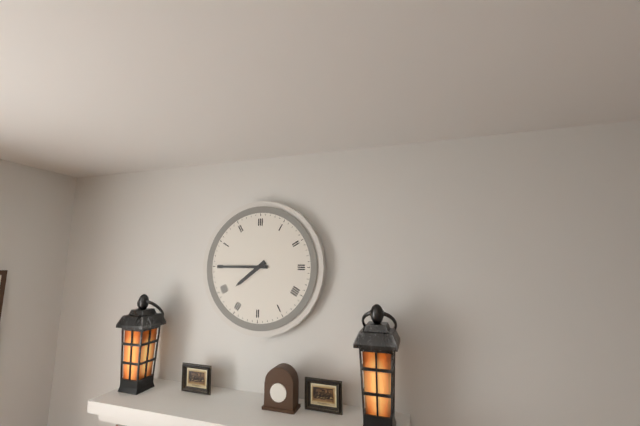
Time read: 7:45
